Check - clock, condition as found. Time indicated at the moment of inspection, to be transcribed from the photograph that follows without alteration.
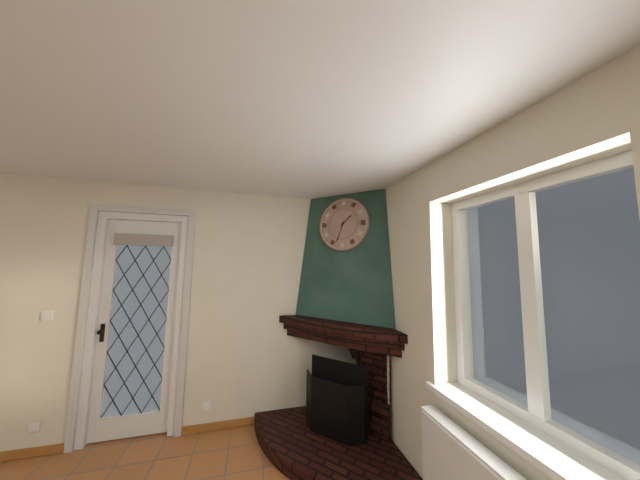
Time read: 1:33
